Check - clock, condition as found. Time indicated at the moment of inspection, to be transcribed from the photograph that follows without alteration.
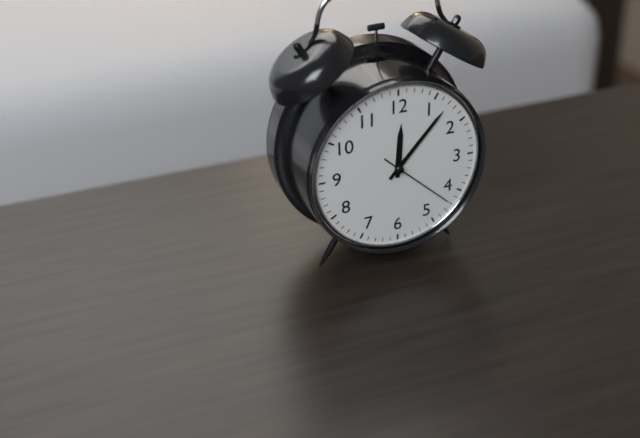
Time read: 12:07:22
